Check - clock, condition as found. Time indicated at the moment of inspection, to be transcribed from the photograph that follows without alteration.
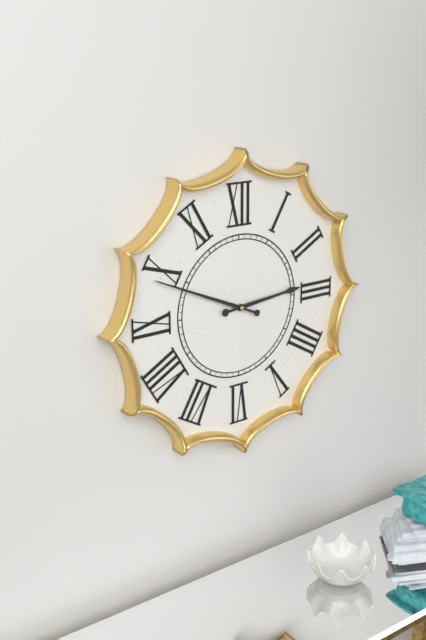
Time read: 2:49
